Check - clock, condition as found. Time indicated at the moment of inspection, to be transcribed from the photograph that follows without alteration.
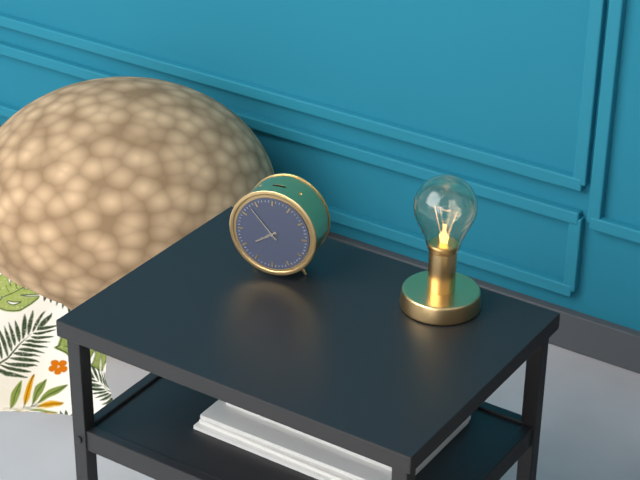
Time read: 7:53
